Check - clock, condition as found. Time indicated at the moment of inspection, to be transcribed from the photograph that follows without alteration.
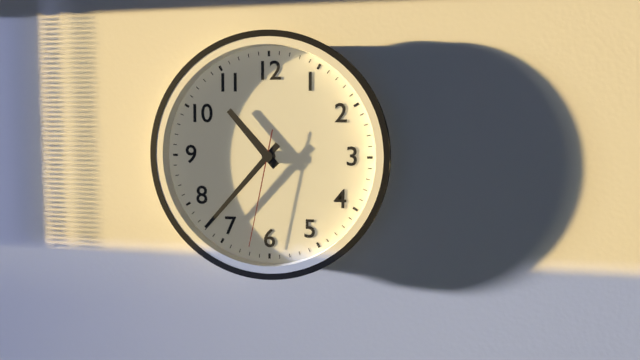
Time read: 10:37:32
